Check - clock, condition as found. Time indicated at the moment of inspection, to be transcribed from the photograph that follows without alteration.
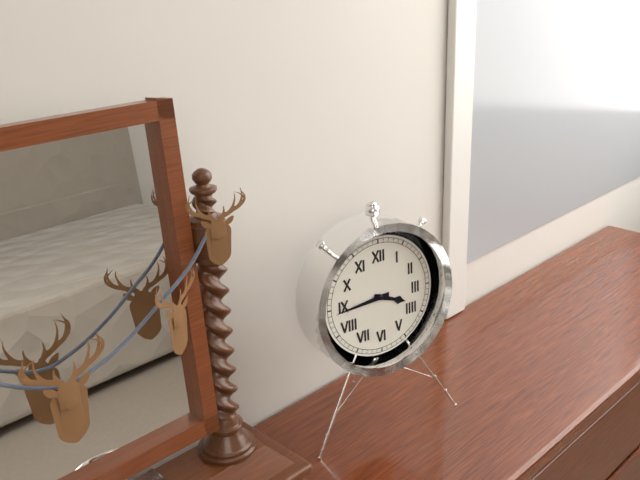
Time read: 3:44
